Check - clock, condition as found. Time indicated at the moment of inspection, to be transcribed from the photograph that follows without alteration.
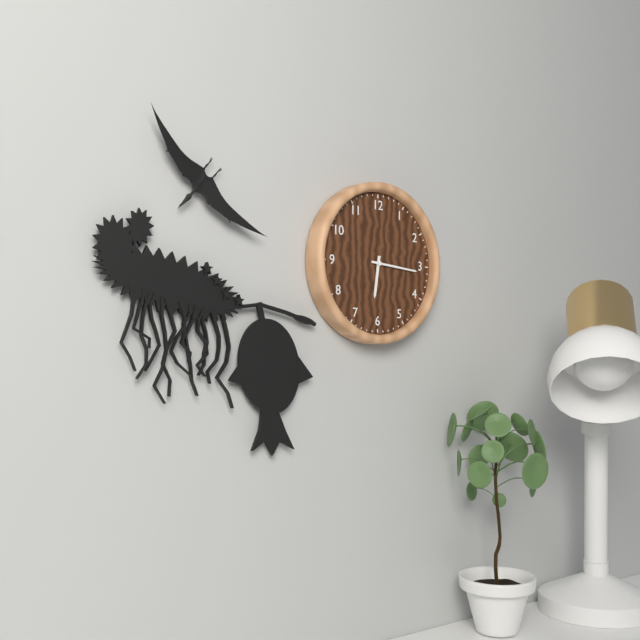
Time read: 6:16
